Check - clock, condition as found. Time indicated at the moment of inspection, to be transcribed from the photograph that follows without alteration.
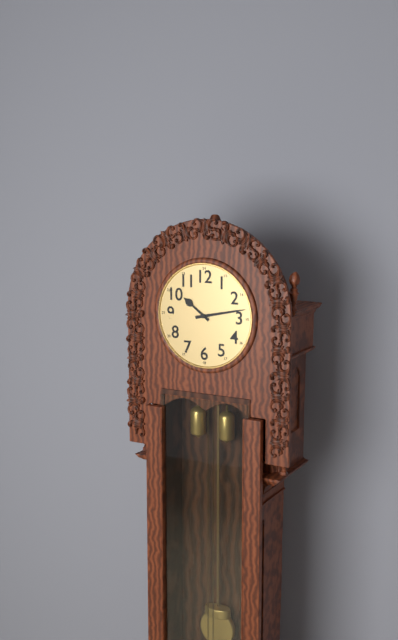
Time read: 10:13
